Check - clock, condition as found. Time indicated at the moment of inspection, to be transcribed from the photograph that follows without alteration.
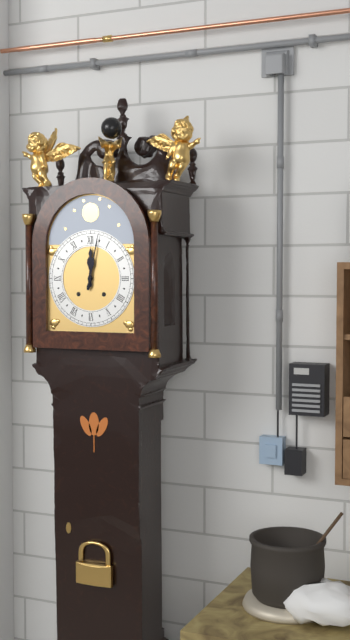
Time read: 12:02
